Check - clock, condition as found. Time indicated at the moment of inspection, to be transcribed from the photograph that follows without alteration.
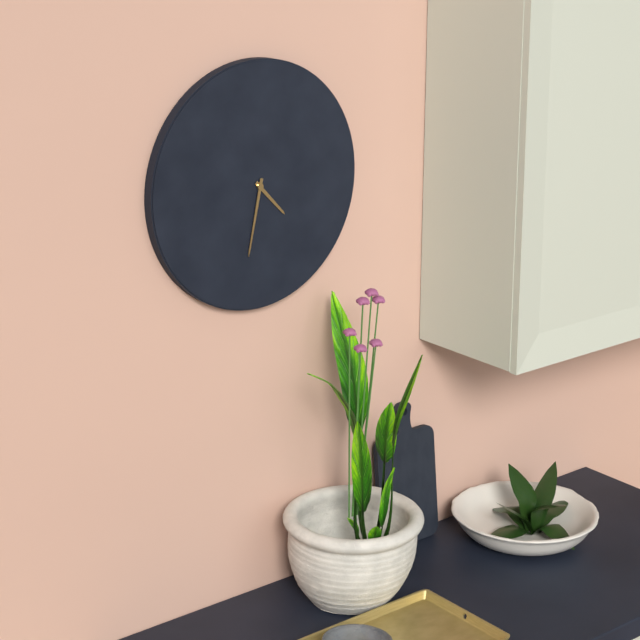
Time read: 4:32
